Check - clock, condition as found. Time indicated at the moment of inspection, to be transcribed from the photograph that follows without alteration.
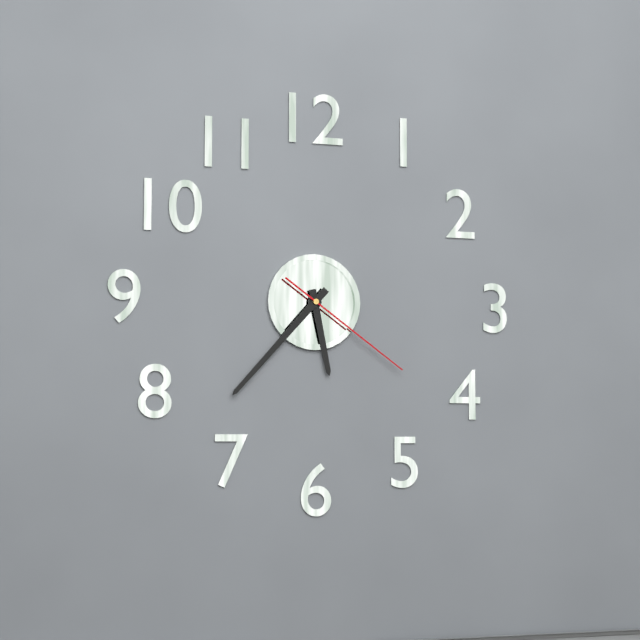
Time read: 5:37:21
